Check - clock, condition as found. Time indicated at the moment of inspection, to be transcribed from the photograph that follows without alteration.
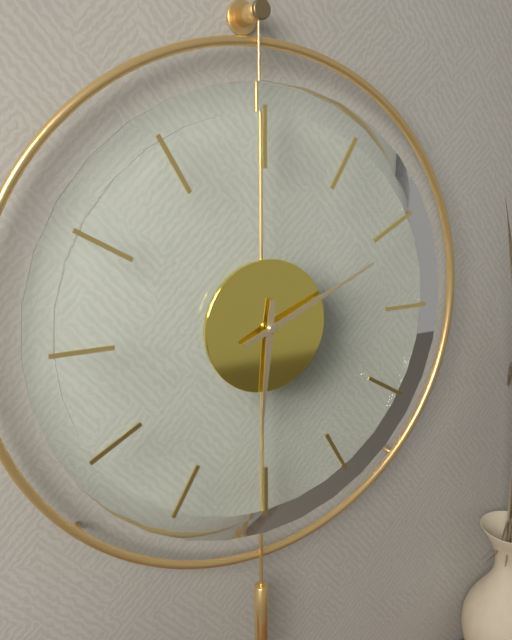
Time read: 6:11
